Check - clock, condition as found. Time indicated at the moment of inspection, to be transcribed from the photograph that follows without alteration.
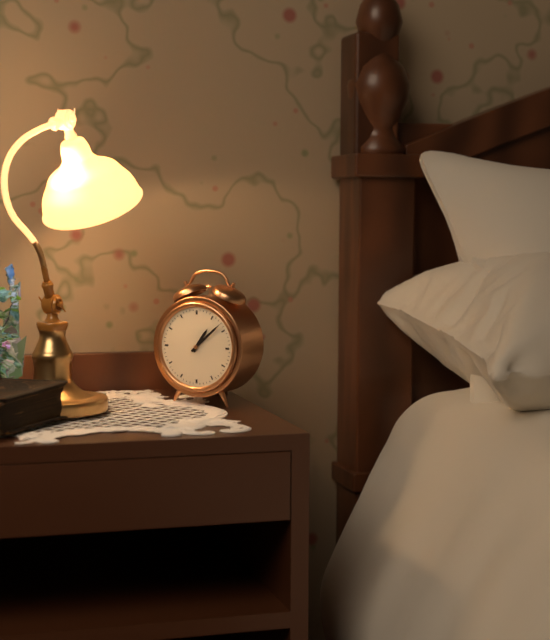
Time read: 1:08
